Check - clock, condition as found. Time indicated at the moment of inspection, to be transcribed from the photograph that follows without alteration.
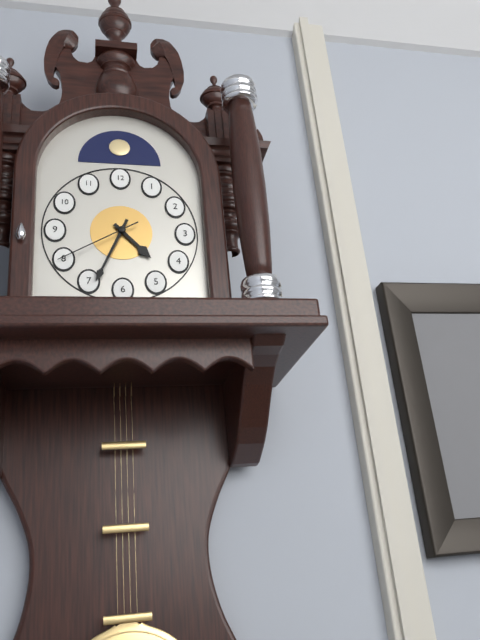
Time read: 4:34:40
